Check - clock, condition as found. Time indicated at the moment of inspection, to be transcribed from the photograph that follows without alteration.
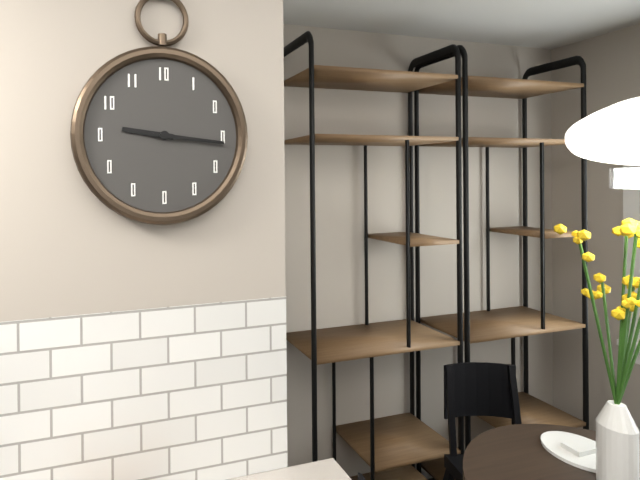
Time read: 9:16
